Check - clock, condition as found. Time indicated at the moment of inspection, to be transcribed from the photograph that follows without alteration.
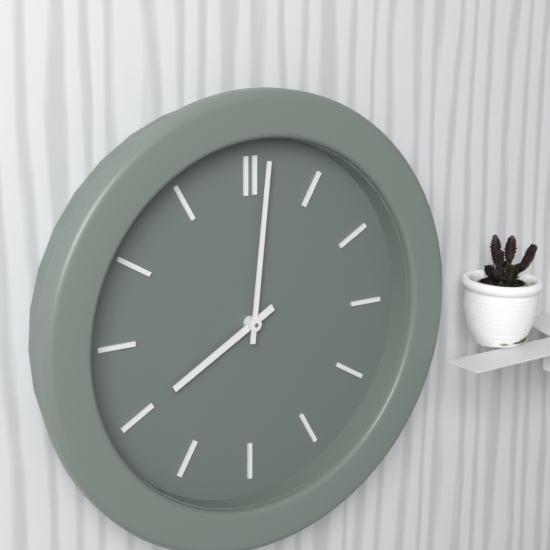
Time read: 8:01
